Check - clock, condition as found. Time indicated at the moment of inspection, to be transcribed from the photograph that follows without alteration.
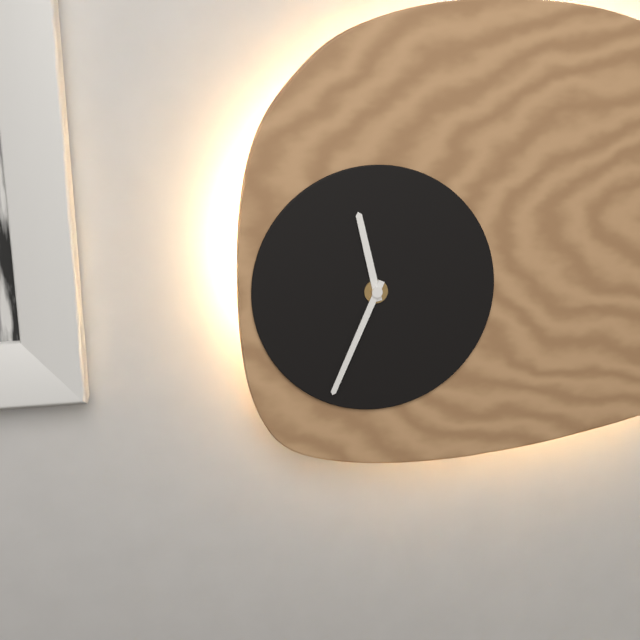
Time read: 11:34
